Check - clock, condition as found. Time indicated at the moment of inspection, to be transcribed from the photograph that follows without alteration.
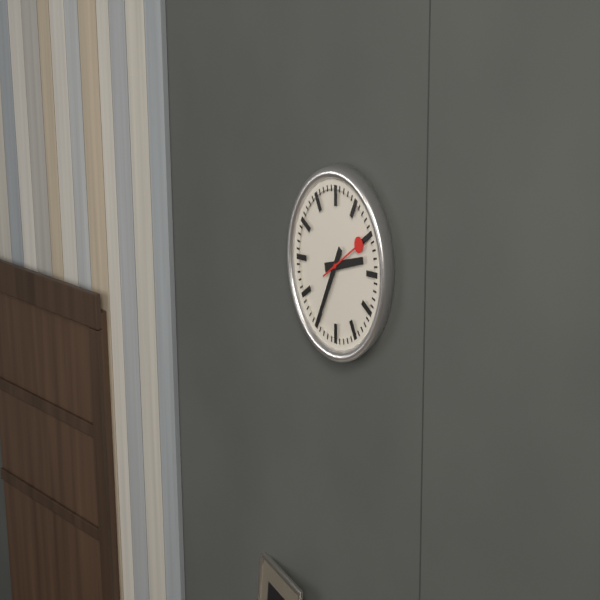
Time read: 2:35
